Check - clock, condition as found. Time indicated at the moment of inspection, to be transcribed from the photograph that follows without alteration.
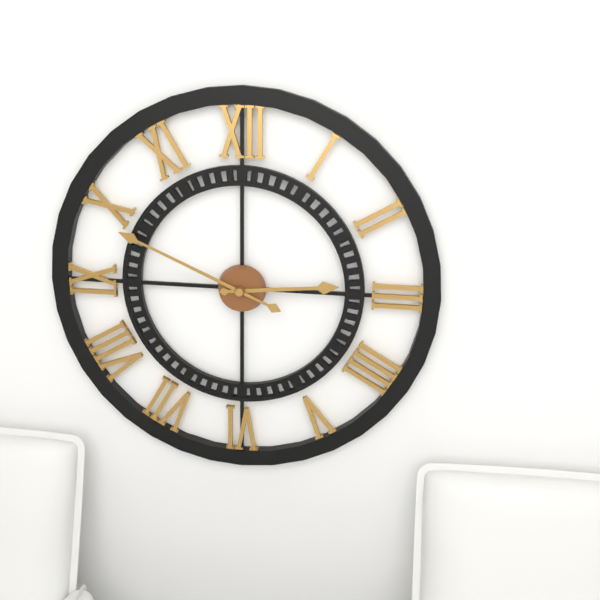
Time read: 2:49
